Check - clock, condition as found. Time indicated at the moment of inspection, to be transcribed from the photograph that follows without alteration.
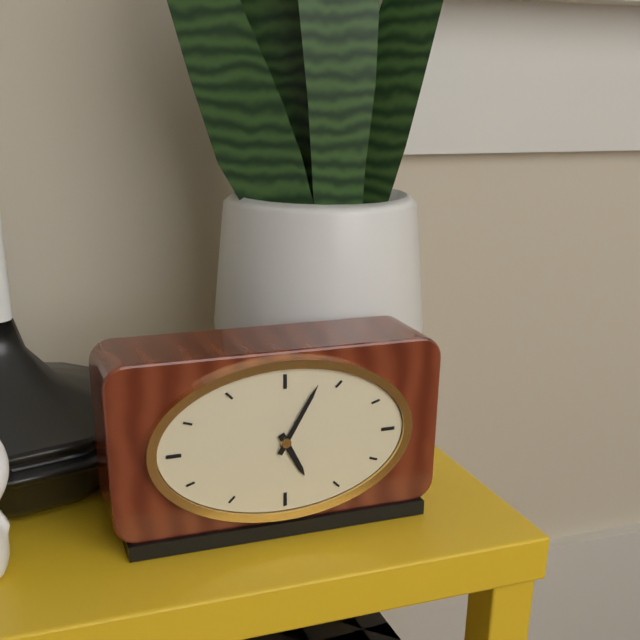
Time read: 5:05
